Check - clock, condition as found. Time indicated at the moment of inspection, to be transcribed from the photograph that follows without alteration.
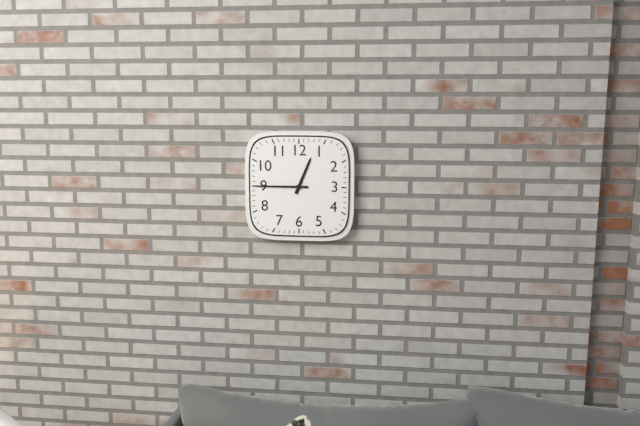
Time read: 12:45
